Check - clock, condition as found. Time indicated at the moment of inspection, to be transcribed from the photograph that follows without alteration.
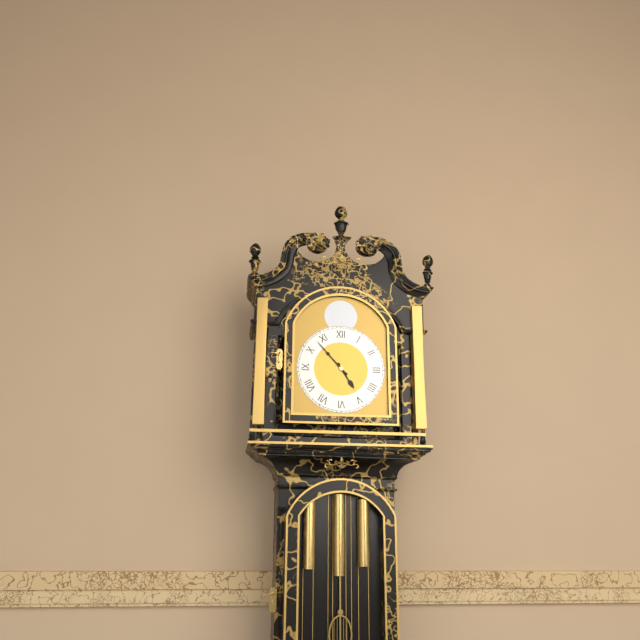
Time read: 4:53
